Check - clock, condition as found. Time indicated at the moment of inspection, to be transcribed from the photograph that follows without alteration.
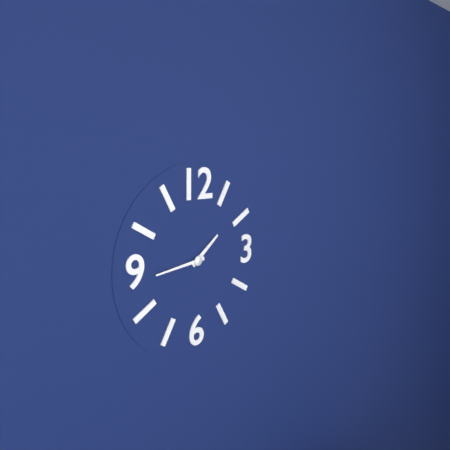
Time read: 1:44
